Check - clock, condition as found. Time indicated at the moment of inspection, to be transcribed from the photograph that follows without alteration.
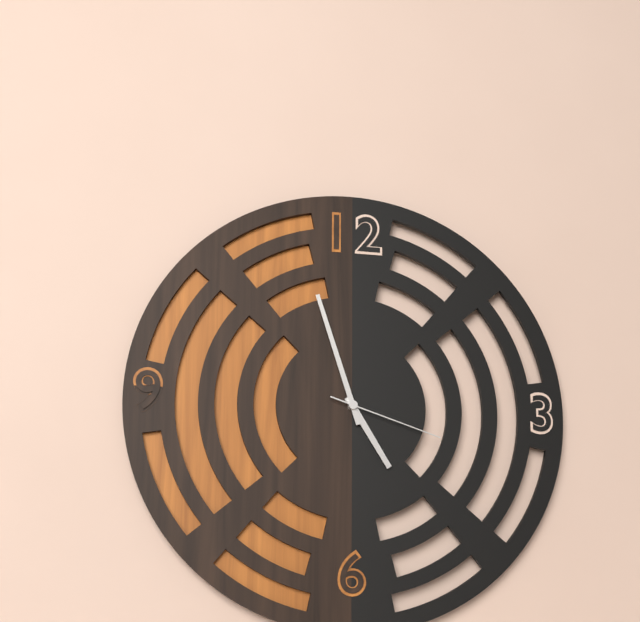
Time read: 4:57:18
